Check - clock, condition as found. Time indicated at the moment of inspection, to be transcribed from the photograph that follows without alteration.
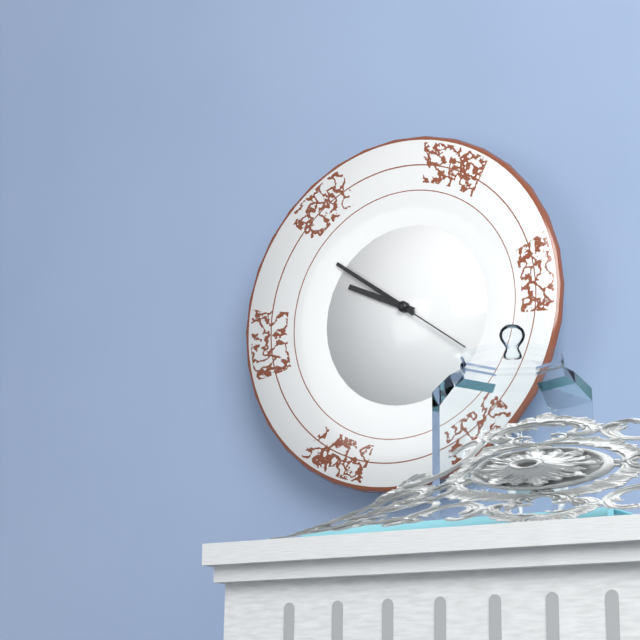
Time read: 9:51:21
